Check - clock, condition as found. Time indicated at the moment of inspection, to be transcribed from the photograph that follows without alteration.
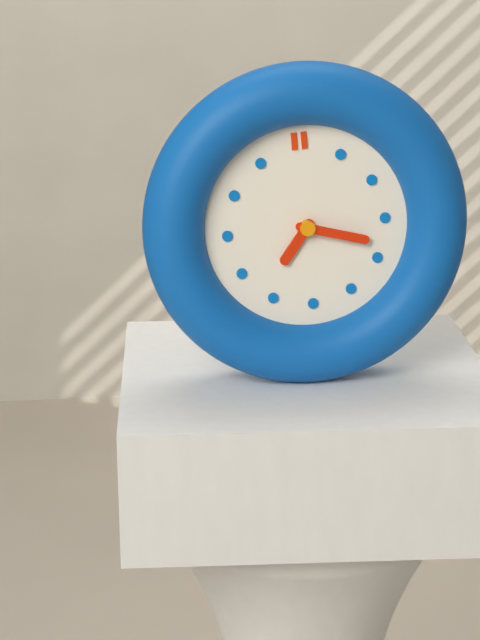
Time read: 7:18
